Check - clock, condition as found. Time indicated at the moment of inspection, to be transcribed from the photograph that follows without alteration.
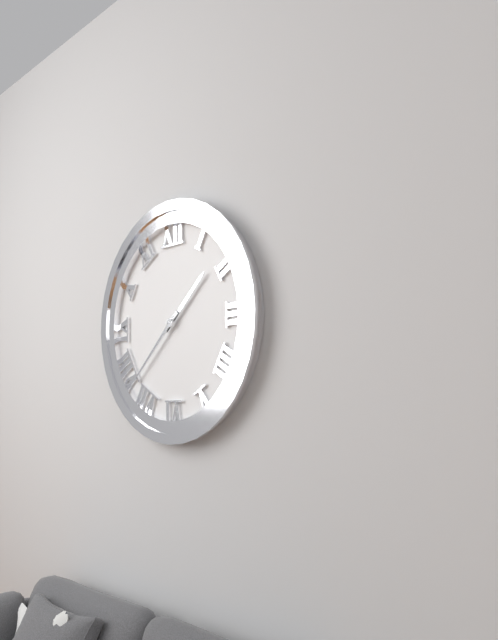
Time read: 1:38
